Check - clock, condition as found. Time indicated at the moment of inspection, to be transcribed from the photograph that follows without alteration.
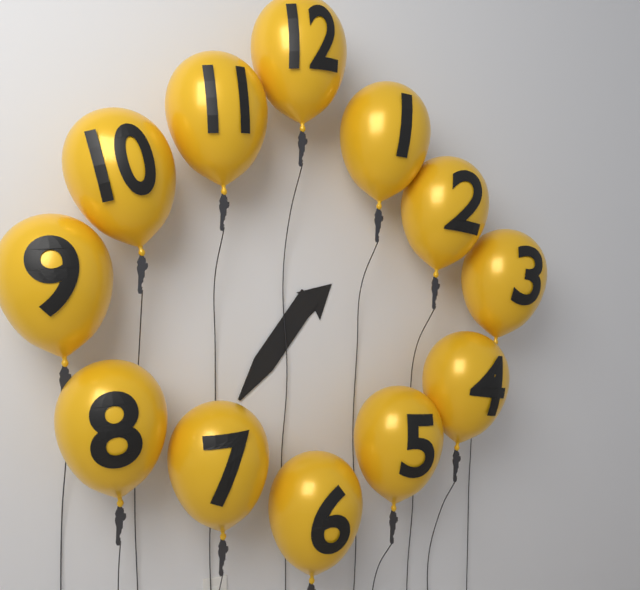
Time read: 1:36
